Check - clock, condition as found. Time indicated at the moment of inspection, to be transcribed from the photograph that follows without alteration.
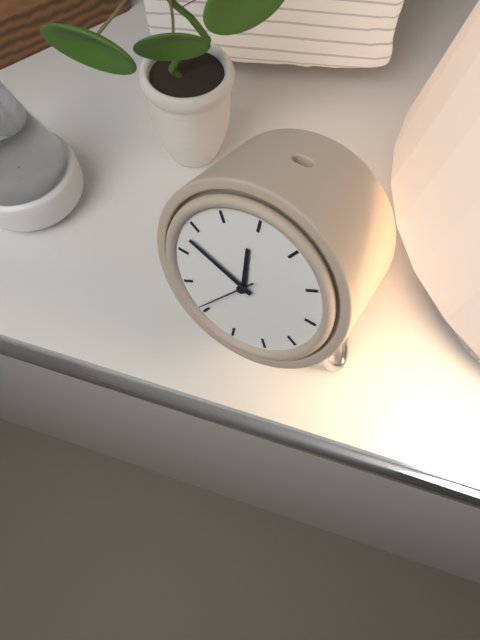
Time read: 11:48:36
